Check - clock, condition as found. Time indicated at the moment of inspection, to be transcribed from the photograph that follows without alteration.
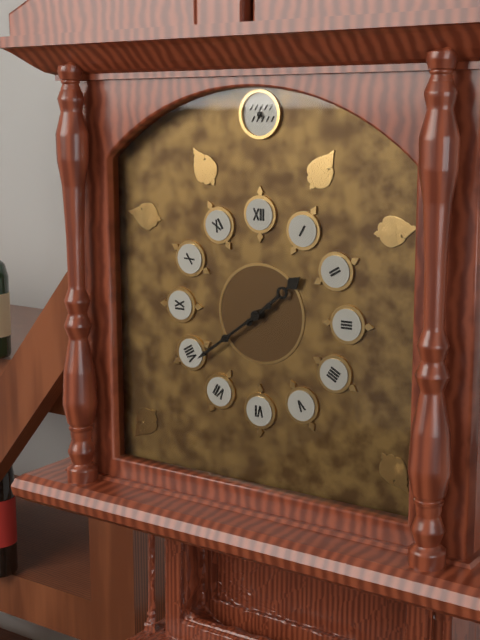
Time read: 1:39
